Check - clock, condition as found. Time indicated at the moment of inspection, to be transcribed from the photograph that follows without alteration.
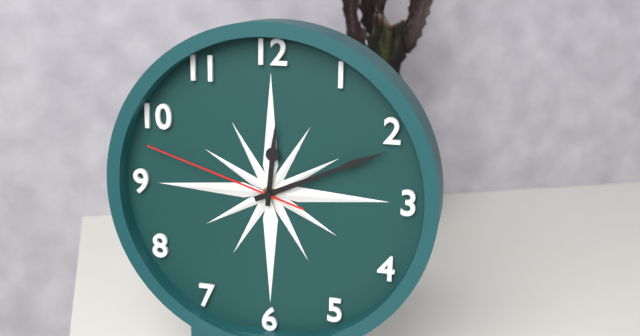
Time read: 12:11:48
